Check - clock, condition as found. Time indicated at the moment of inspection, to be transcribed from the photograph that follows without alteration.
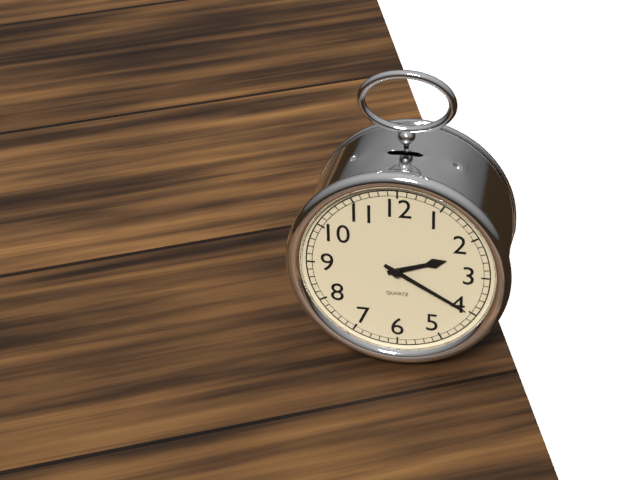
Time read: 2:20
